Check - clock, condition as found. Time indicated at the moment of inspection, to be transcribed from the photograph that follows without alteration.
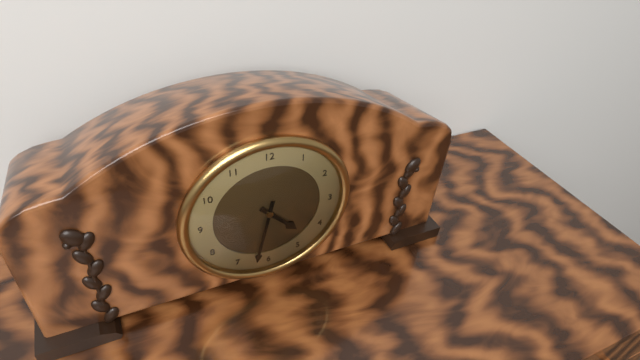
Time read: 4:32
